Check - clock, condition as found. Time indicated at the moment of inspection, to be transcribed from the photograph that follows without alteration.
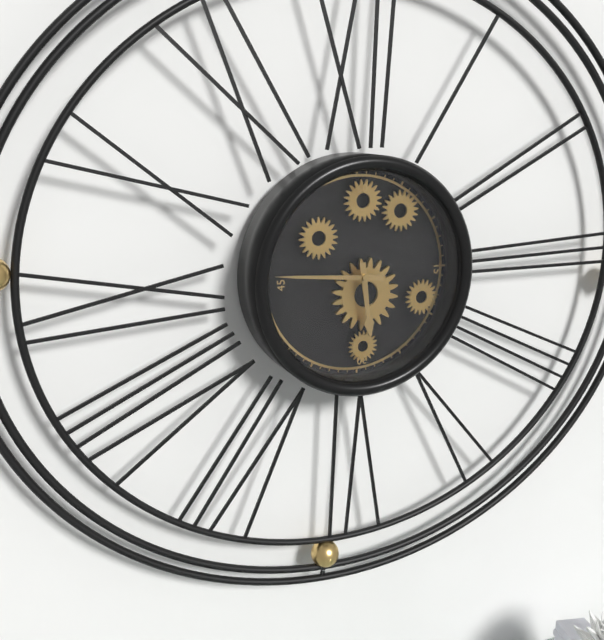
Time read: 5:46
